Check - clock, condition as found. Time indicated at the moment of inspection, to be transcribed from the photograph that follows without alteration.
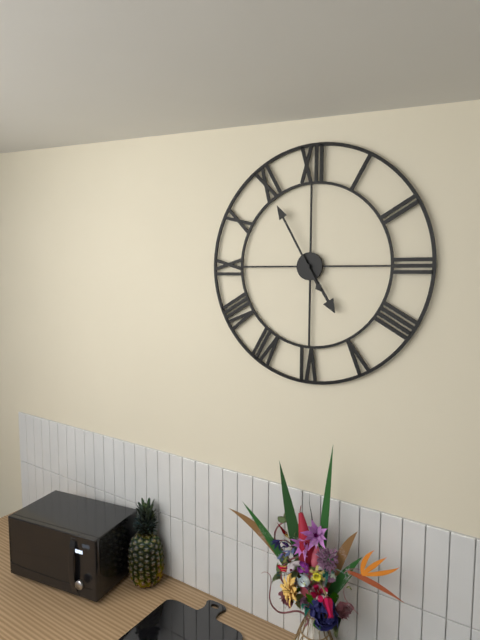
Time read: 4:55
